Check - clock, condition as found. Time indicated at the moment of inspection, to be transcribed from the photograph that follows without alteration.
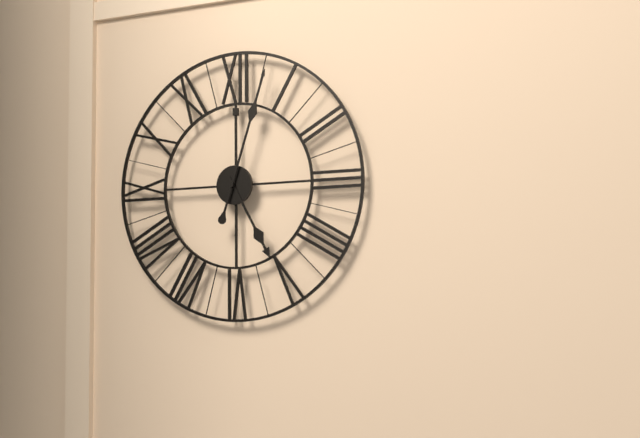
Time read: 5:03
